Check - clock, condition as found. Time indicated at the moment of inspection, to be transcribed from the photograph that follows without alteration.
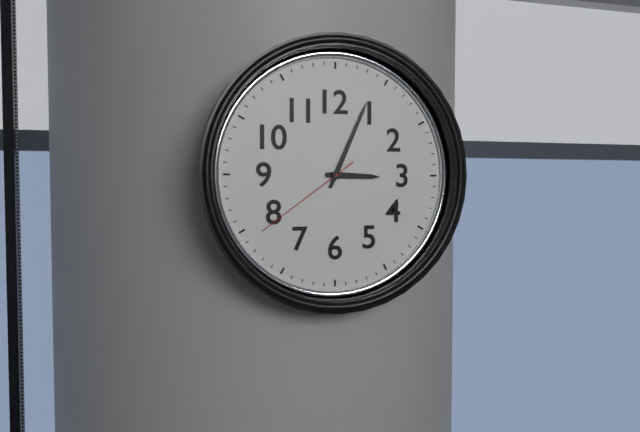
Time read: 3:04:39
